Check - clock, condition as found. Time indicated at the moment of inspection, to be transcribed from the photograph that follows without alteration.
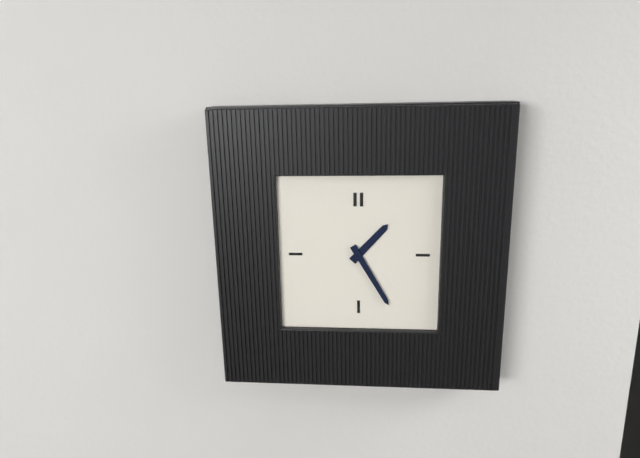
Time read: 1:25
